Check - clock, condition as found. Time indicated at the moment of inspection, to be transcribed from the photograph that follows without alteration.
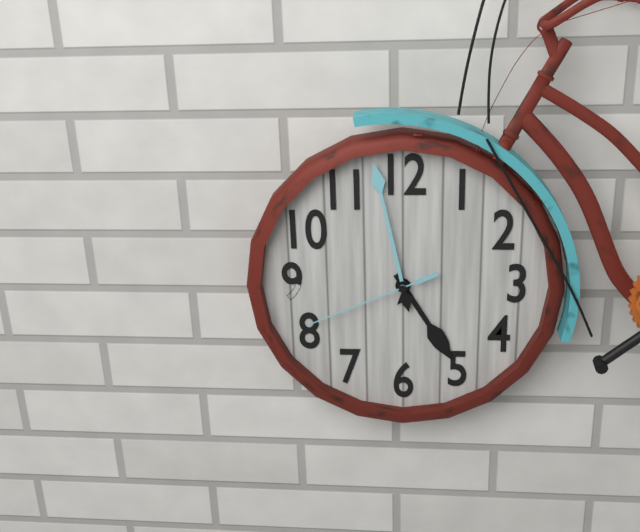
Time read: 4:58:41
